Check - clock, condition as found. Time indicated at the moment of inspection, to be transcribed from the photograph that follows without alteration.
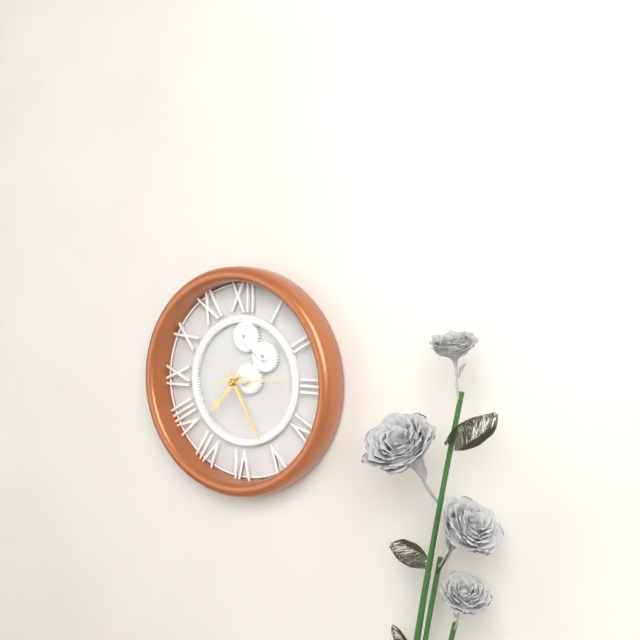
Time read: 7:25:14
